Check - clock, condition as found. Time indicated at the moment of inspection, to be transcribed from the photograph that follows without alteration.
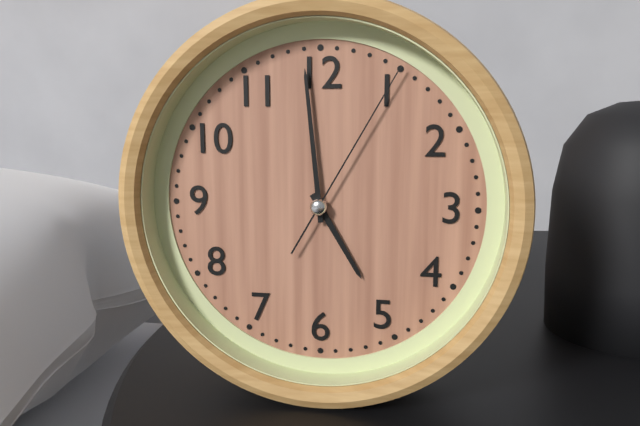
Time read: 4:59:05
